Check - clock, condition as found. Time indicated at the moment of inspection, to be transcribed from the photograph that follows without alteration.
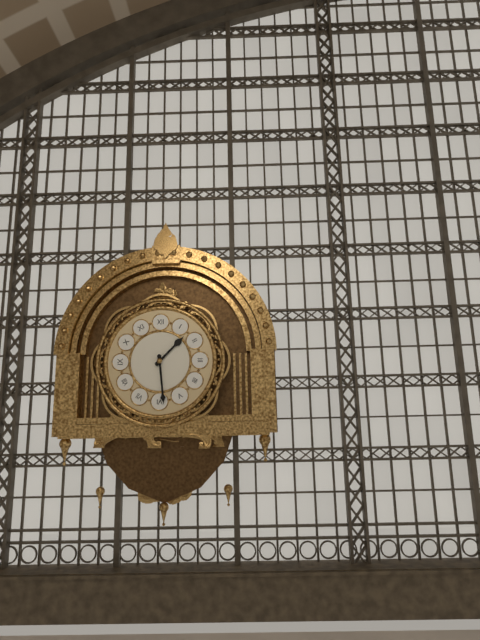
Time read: 1:29
